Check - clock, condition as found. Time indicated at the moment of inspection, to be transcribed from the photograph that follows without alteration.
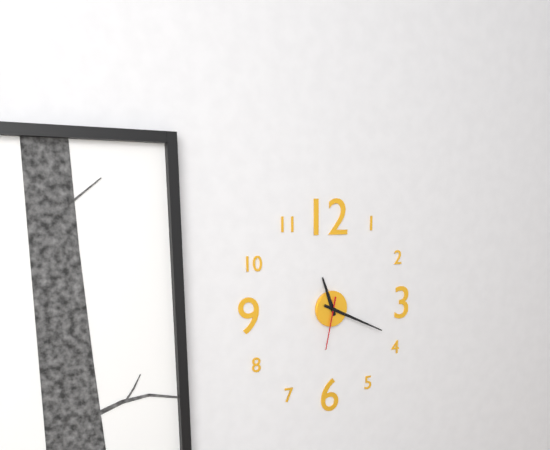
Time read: 11:19:32
